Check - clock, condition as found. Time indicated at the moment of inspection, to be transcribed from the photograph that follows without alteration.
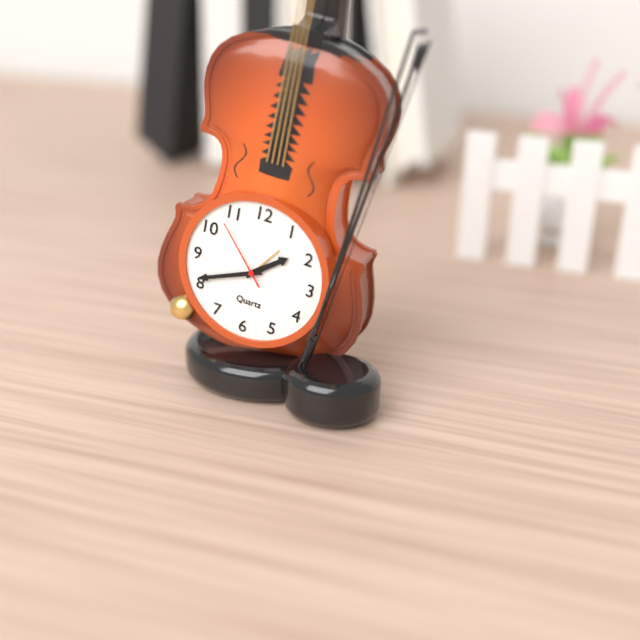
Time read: 1:41:53
